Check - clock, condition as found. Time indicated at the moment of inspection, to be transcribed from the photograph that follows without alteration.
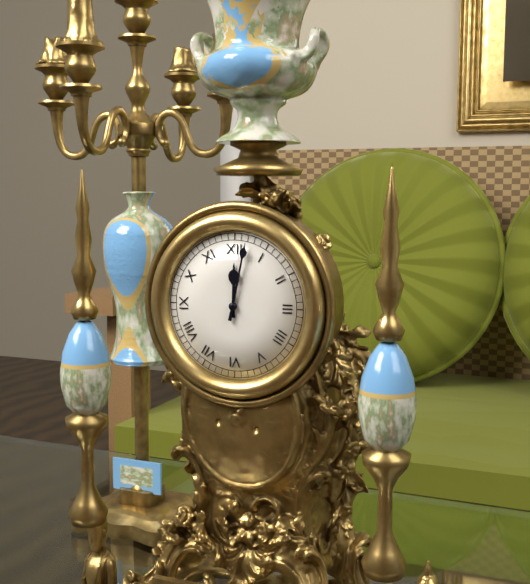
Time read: 12:02
